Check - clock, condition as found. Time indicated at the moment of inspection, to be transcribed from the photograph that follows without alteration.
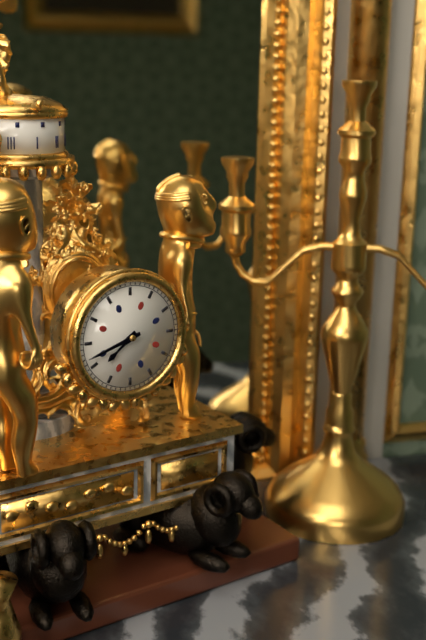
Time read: 7:42
